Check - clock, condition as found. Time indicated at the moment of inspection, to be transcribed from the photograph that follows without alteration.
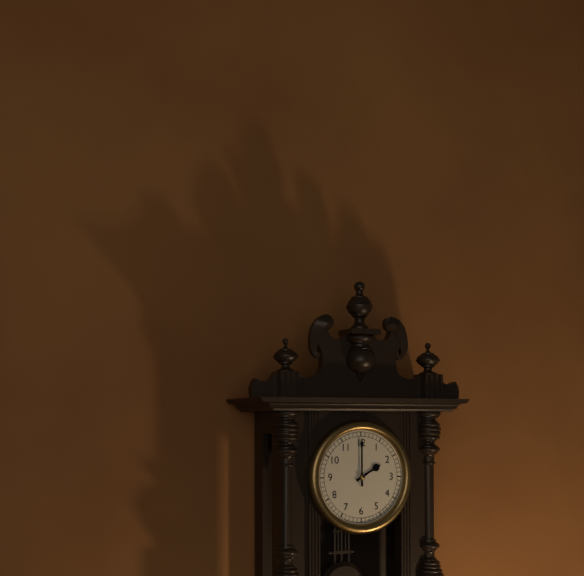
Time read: 2:00
